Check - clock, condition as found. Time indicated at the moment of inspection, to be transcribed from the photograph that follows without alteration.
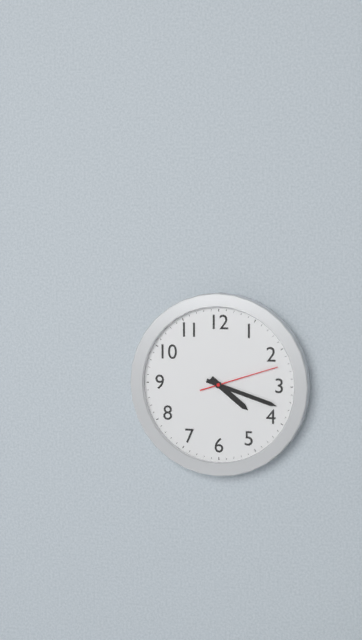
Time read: 4:18:12
